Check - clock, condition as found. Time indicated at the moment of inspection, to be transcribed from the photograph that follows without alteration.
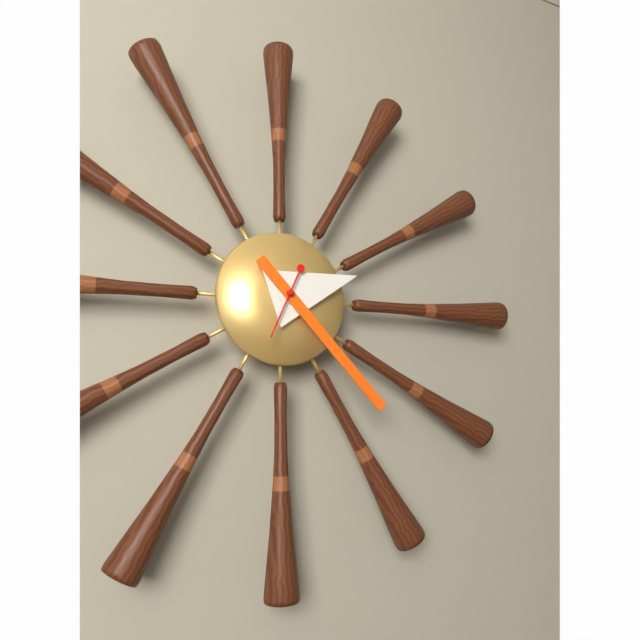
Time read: 2:23
